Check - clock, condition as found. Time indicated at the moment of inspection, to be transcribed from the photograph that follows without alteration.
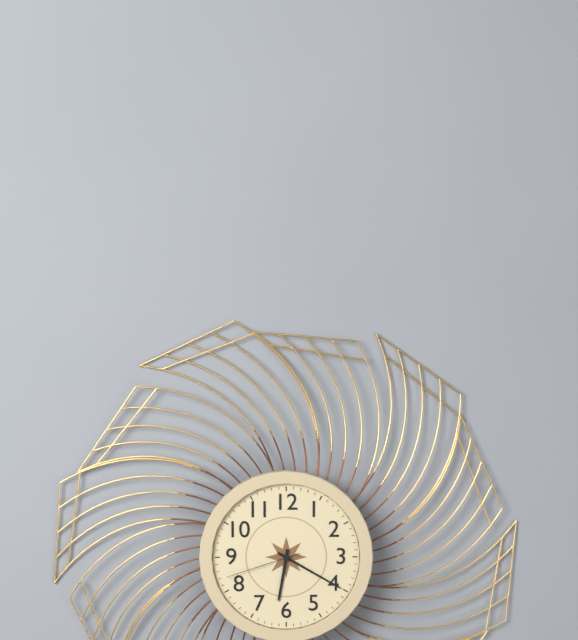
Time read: 6:20:42
